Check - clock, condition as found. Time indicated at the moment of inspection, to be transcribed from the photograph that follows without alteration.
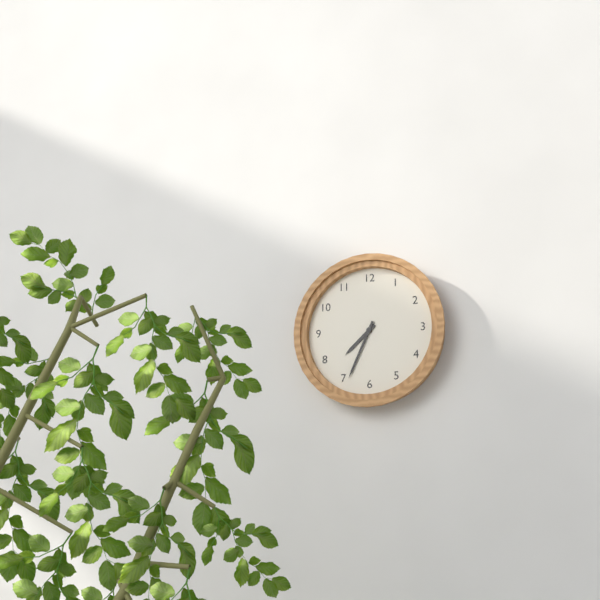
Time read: 7:34
